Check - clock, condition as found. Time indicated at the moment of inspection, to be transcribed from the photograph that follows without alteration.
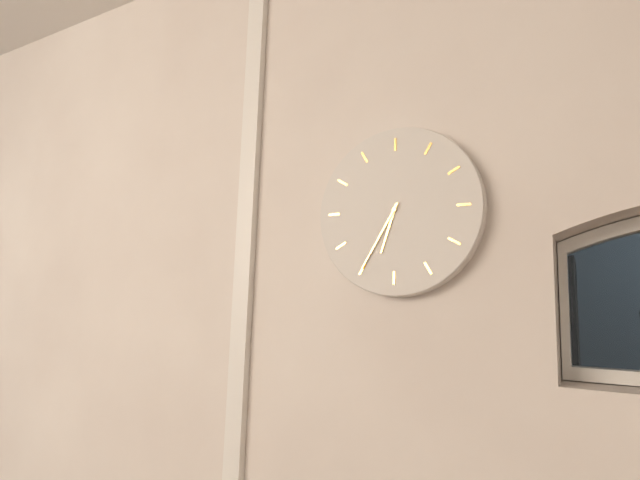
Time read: 6:35
